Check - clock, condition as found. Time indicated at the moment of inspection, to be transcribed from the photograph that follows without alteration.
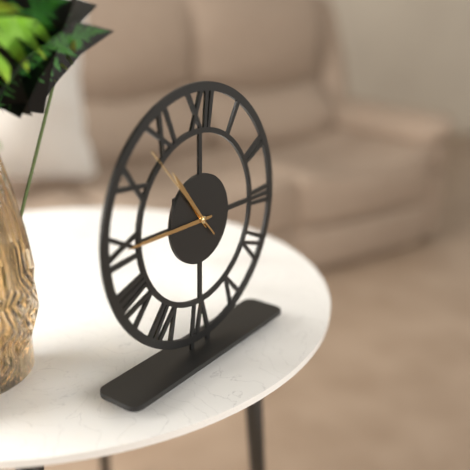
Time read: 10:45:53
